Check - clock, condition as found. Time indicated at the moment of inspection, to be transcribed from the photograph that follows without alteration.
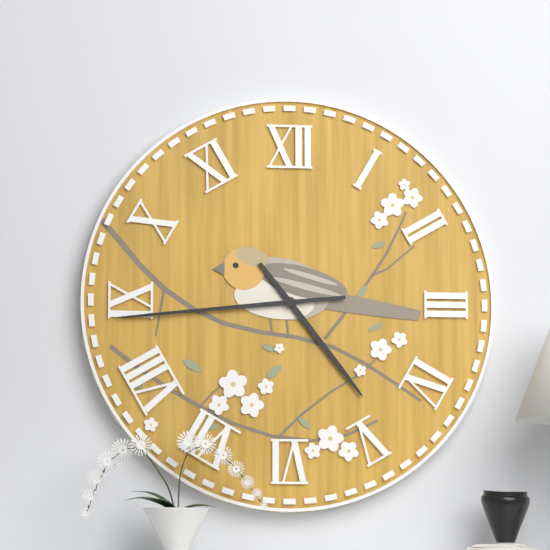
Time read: 4:44
